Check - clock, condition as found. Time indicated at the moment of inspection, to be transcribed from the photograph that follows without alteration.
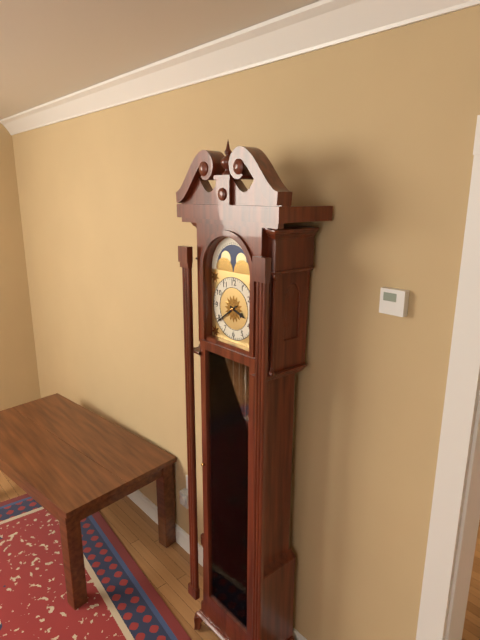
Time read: 3:39
